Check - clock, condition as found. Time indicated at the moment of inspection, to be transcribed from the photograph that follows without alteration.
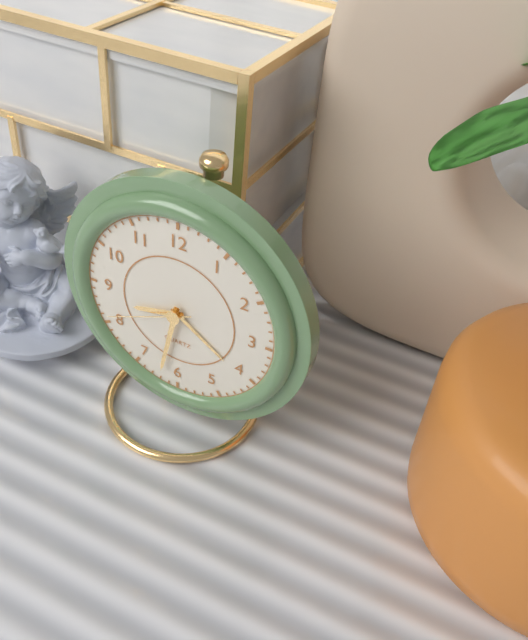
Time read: 8:32:41
